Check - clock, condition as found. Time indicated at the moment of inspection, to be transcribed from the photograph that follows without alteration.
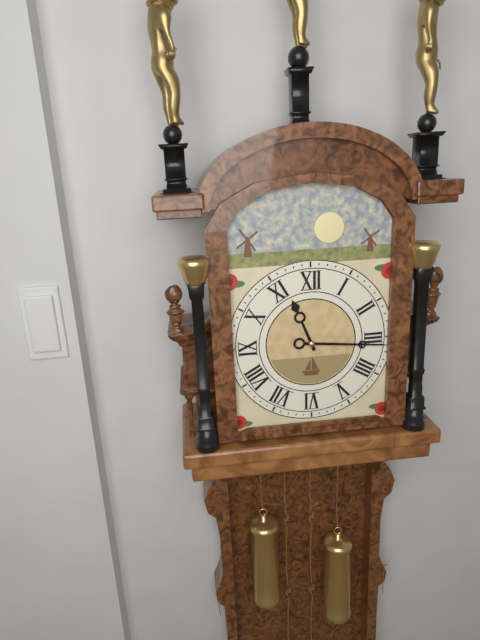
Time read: 11:16
